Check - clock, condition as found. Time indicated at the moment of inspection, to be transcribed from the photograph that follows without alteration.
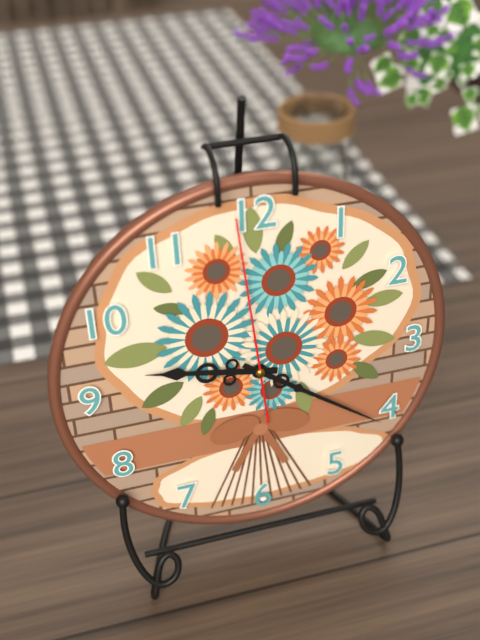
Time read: 9:21:59
